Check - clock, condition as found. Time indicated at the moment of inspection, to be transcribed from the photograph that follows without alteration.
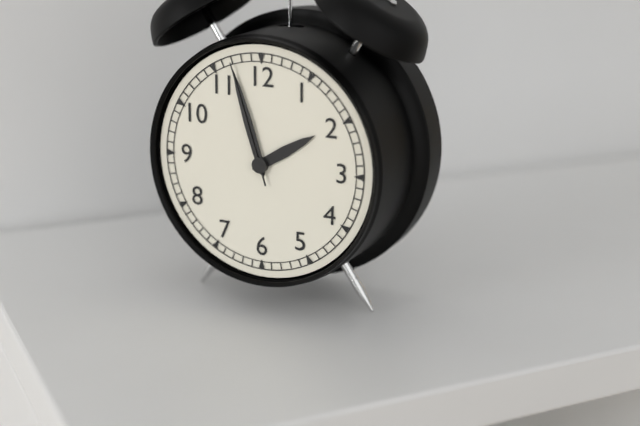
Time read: 1:57:57
